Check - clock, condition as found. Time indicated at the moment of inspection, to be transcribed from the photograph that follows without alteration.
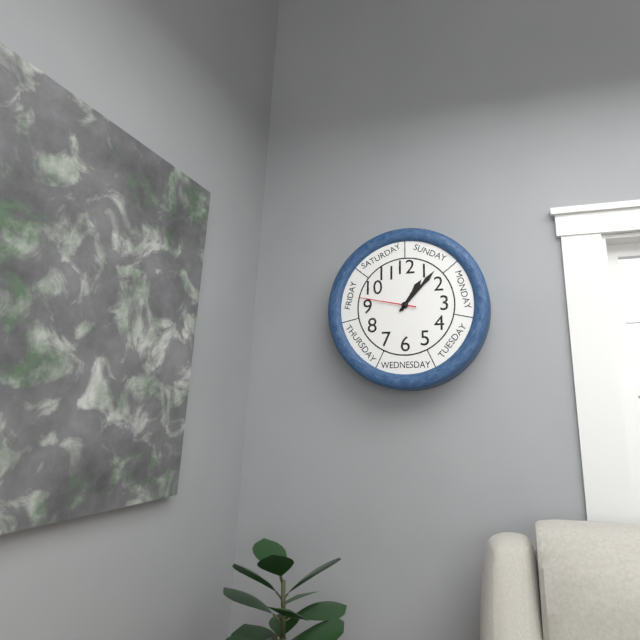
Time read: 1:07:47
